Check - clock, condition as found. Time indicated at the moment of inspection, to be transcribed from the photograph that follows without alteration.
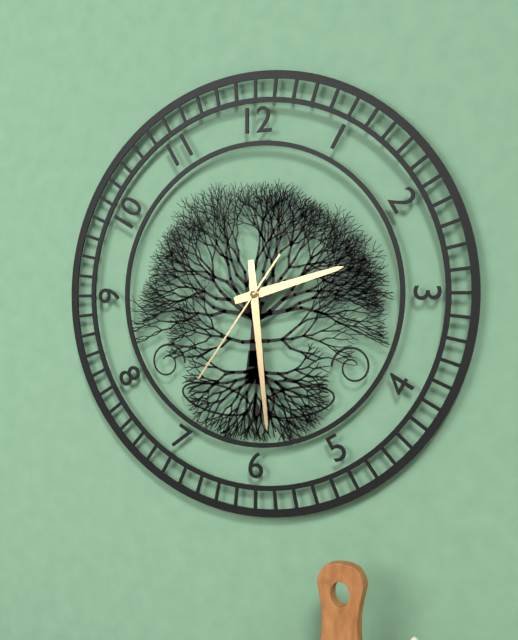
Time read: 2:29:36
